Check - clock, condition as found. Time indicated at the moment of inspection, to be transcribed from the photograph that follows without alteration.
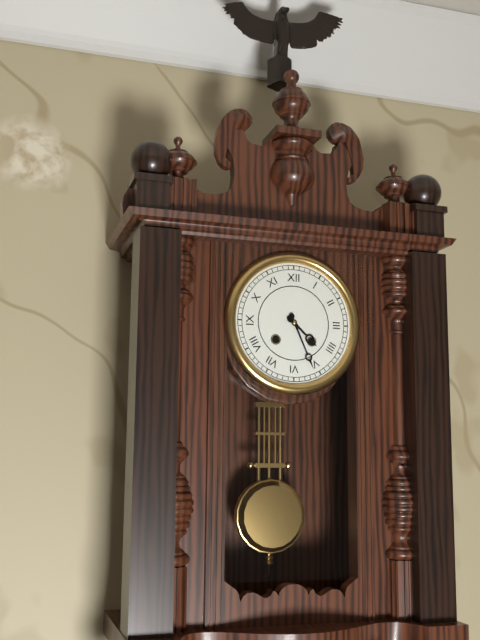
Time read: 4:26
